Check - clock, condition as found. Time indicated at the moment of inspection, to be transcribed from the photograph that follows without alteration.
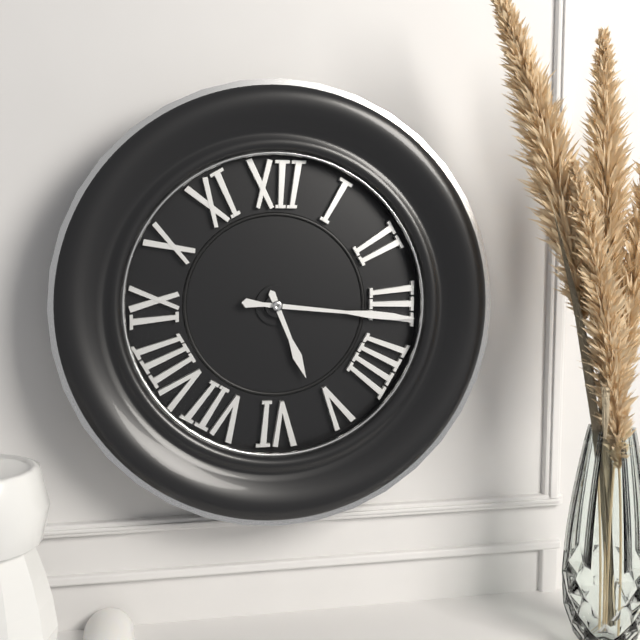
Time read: 5:16
